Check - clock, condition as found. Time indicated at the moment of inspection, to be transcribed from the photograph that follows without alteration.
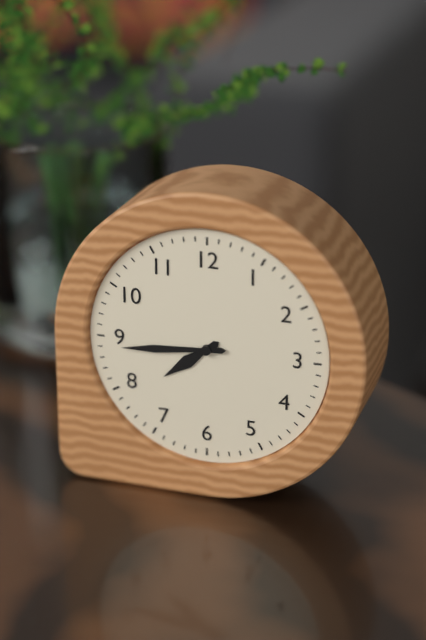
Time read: 7:44
